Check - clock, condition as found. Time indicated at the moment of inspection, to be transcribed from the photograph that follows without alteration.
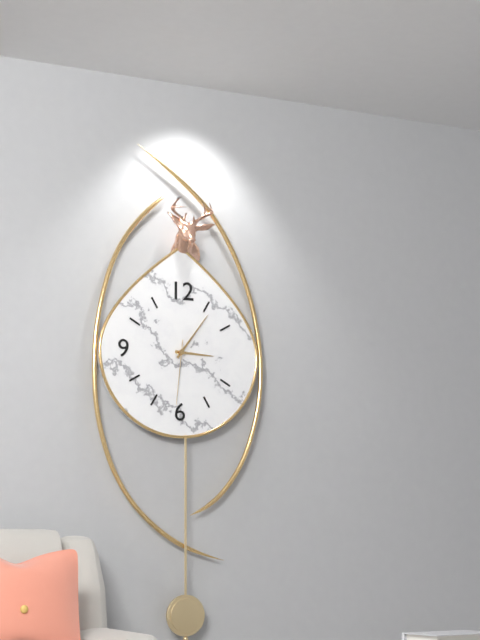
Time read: 3:06:31
